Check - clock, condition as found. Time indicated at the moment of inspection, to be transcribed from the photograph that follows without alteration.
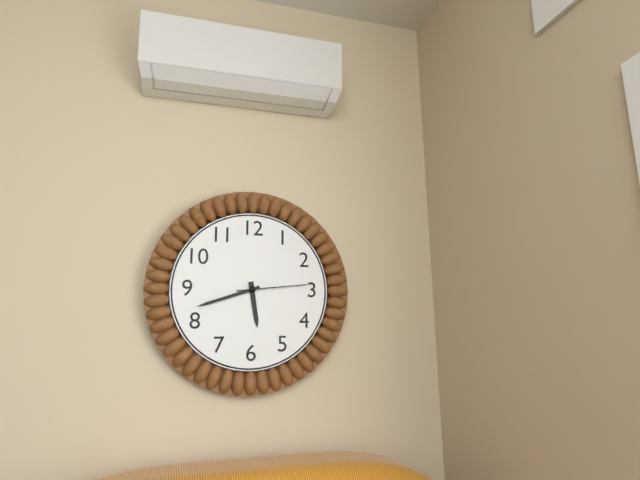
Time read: 5:42:14
